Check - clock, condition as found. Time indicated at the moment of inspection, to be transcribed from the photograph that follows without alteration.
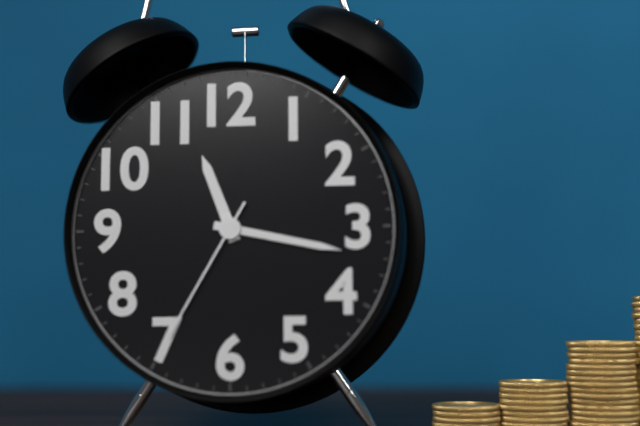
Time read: 11:17:35
